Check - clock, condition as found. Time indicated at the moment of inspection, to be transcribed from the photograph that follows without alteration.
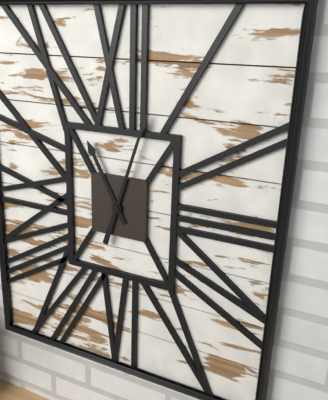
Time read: 11:03
